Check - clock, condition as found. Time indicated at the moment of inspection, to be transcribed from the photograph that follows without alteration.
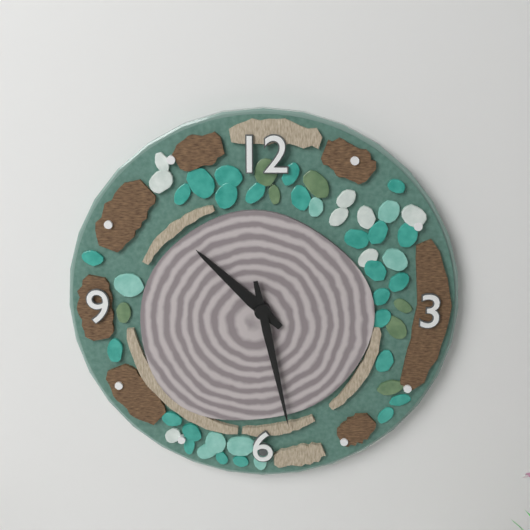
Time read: 10:28
